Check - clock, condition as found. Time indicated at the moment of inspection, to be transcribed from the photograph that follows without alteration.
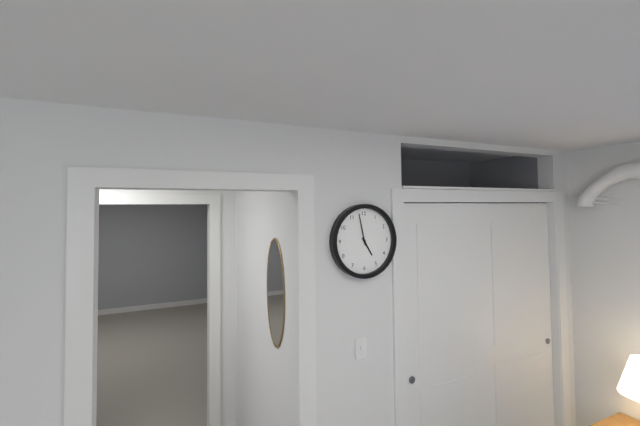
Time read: 4:58
